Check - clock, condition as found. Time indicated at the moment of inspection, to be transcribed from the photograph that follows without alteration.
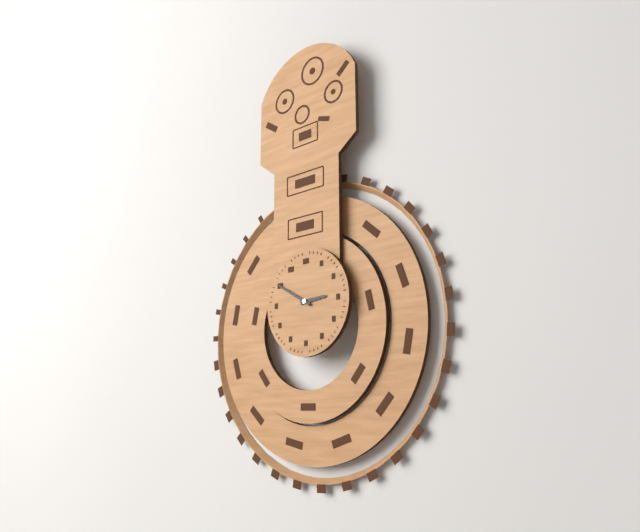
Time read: 2:50
